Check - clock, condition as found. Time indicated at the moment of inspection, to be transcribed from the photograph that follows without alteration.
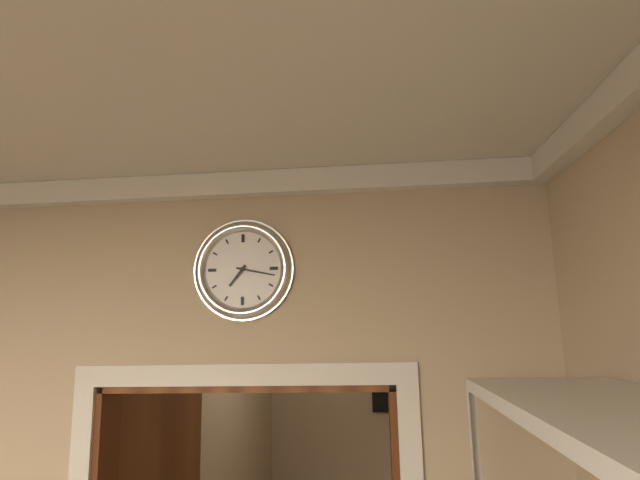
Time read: 7:17
